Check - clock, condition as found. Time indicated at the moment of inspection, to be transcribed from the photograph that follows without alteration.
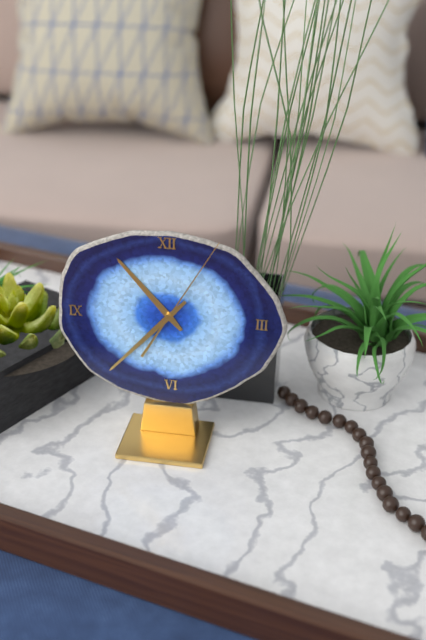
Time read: 10:37:05
